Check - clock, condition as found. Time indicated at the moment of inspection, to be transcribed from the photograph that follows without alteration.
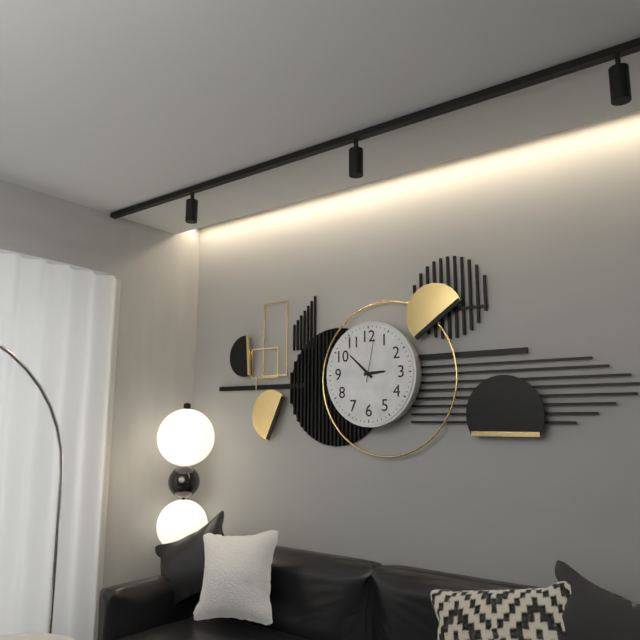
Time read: 2:52
